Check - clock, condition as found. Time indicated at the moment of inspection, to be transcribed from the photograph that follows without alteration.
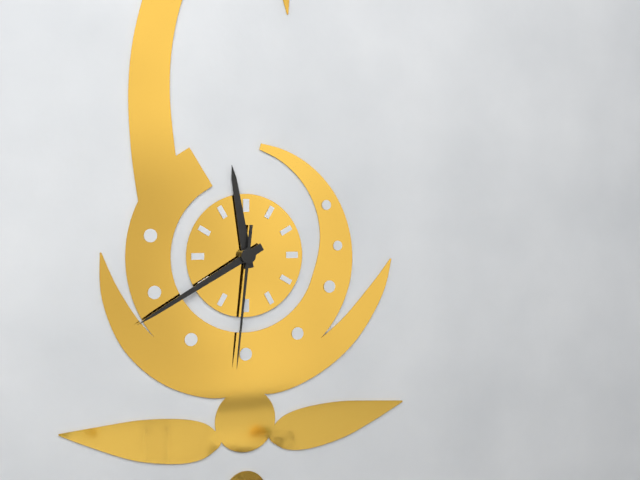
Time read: 11:40:31
